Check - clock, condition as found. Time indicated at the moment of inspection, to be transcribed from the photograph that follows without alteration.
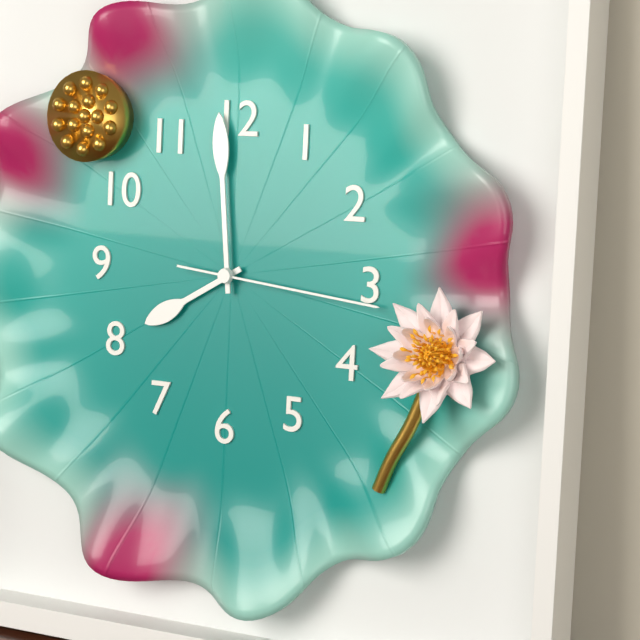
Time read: 7:59:16
